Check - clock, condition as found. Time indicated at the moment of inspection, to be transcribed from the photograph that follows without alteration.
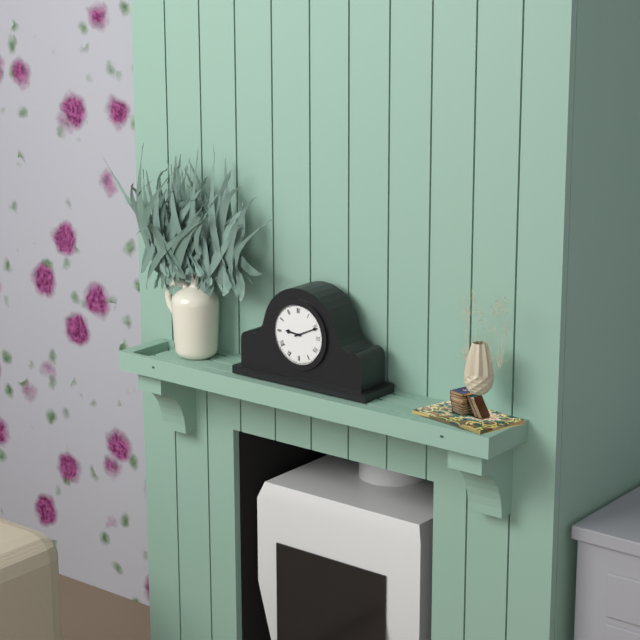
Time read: 9:11
